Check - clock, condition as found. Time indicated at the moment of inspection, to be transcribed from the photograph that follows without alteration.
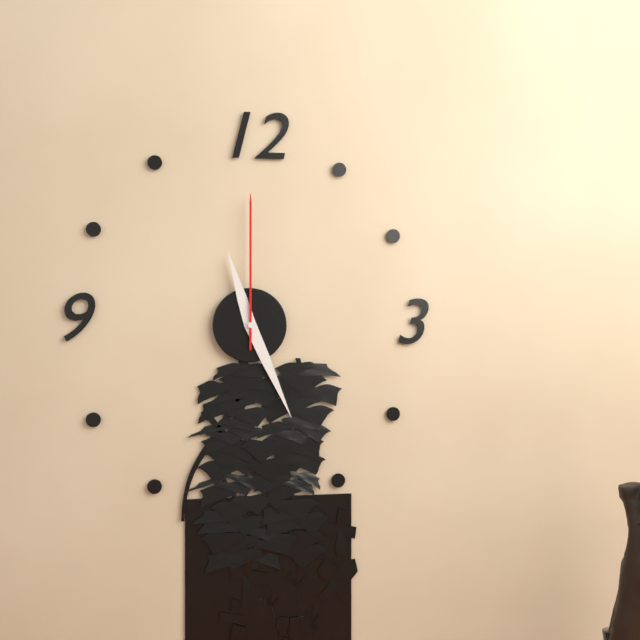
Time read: 11:26:00
